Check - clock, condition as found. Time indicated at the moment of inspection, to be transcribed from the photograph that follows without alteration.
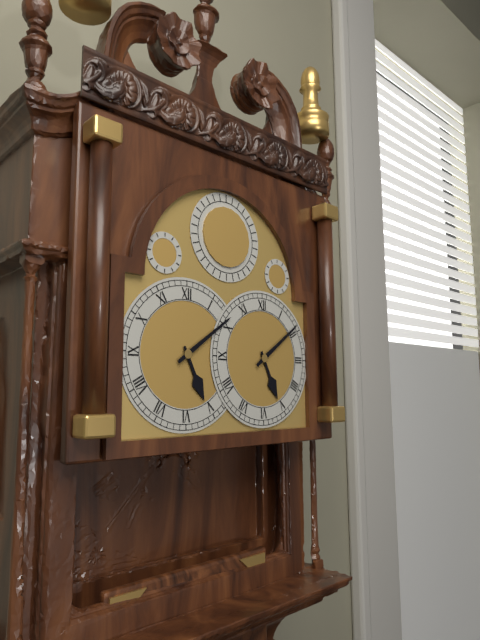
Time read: 5:09
